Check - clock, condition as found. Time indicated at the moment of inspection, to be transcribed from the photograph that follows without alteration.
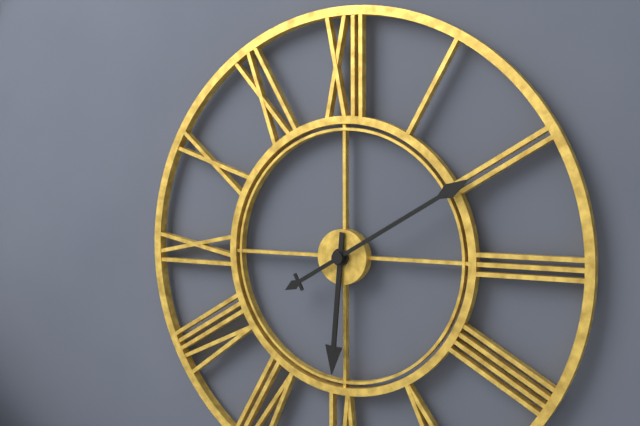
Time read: 6:10
